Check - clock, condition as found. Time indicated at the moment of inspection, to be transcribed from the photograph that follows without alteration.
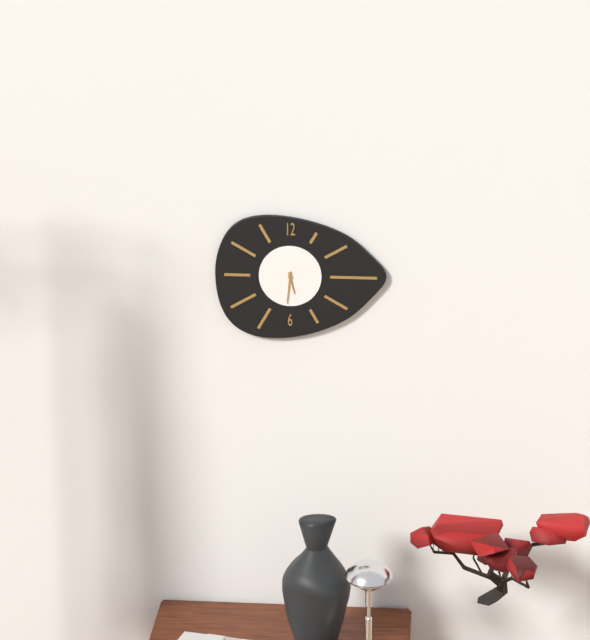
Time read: 5:31
